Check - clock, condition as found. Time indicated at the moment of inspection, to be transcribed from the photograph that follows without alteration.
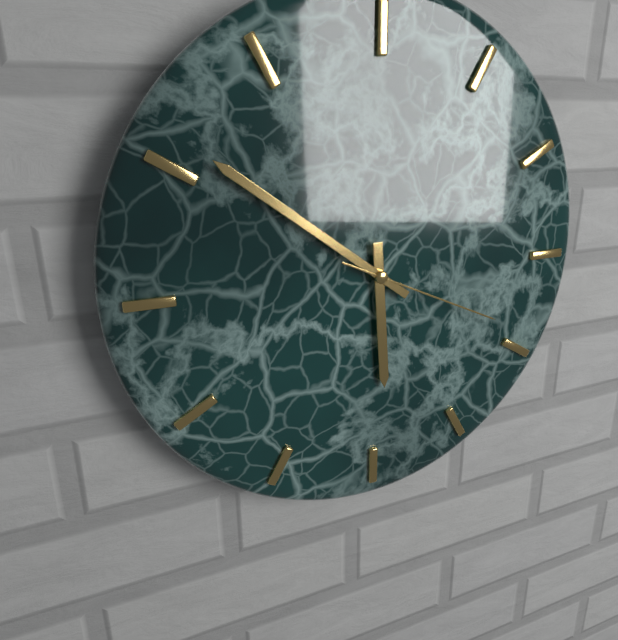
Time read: 5:51:19
